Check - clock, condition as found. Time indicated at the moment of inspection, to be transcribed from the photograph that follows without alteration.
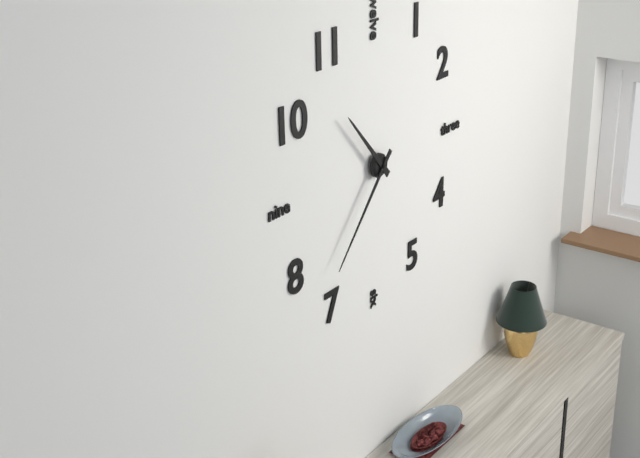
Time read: 10:37
